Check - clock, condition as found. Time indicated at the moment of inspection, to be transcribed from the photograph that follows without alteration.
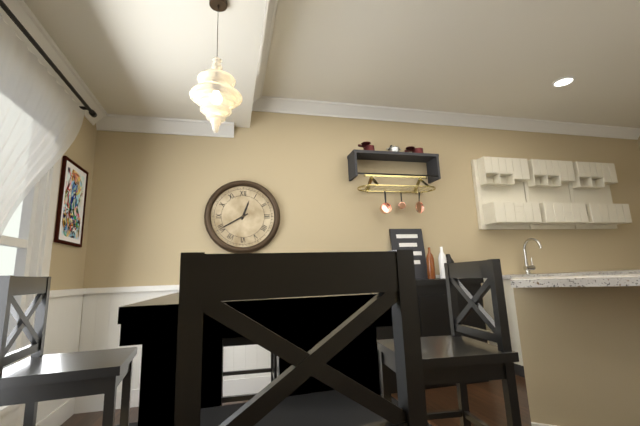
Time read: 12:40
